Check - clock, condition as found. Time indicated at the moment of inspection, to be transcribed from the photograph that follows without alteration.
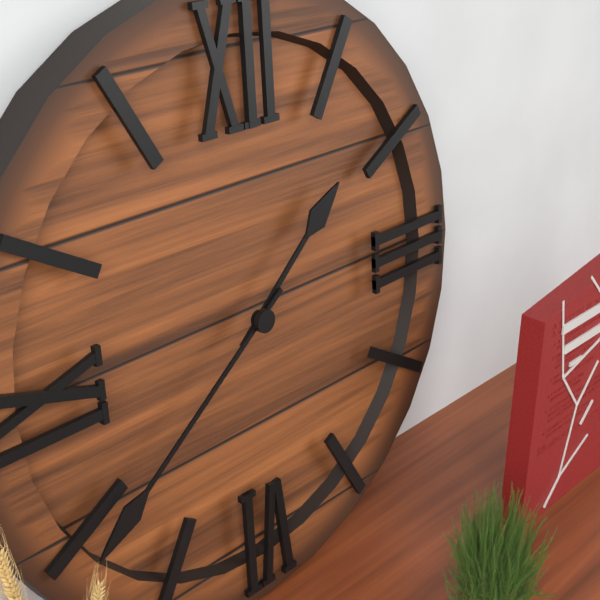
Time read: 1:39
